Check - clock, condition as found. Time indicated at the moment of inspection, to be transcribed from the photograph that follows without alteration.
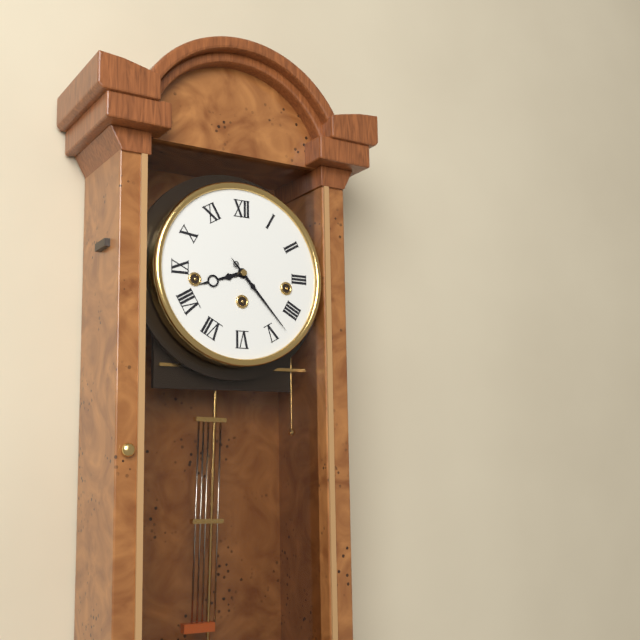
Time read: 8:23
